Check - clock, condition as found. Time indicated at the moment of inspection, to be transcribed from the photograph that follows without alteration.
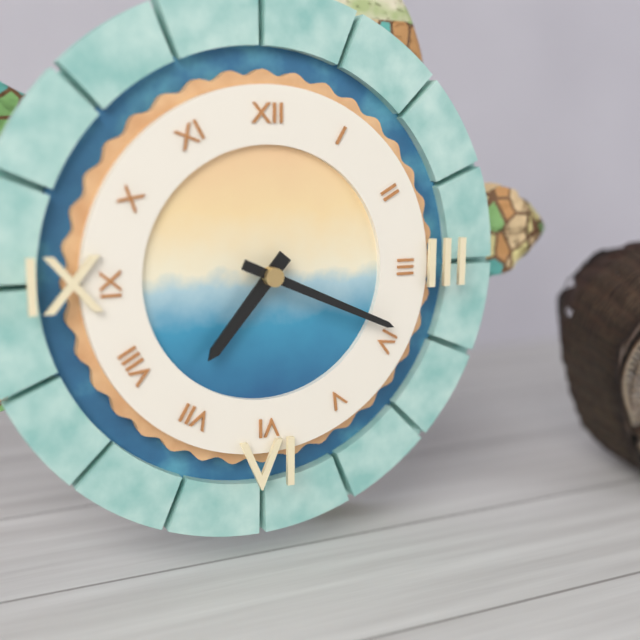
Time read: 7:19
